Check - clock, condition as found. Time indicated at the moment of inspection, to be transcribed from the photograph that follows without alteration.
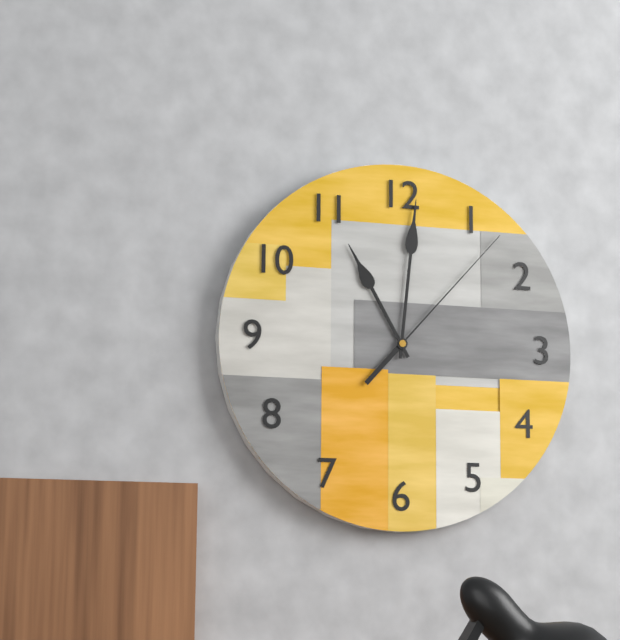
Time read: 11:01:07
